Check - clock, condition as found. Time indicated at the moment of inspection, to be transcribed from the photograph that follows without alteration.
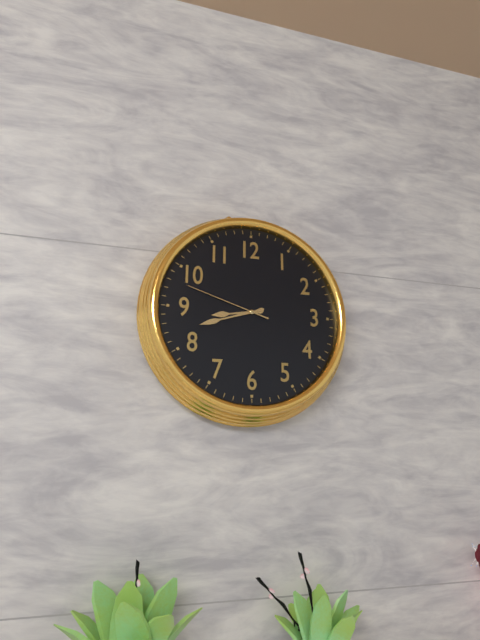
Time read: 8:42:48
